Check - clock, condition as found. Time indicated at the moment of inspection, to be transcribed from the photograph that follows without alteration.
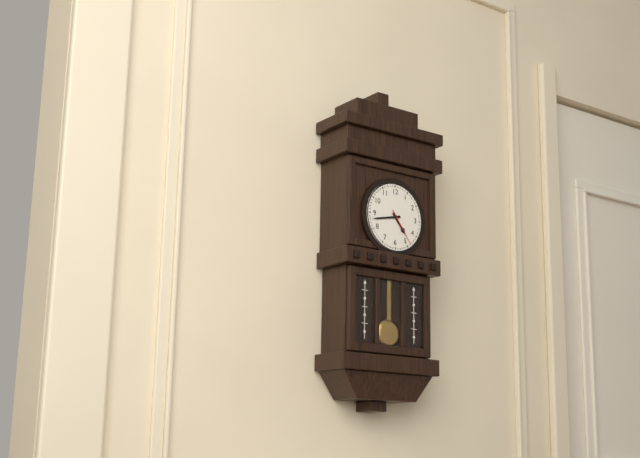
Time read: 4:43
